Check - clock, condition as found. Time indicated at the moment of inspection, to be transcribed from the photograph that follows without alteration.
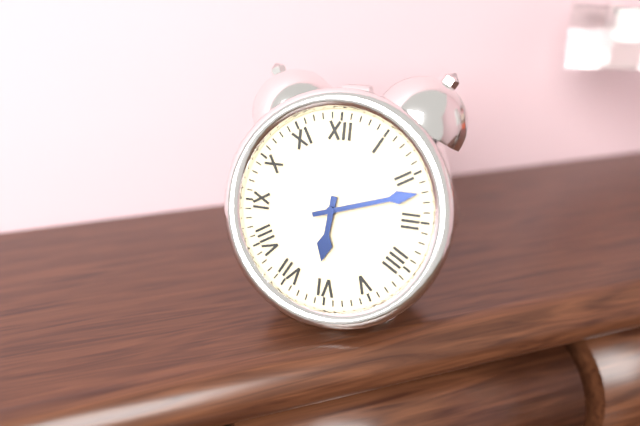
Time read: 6:12
